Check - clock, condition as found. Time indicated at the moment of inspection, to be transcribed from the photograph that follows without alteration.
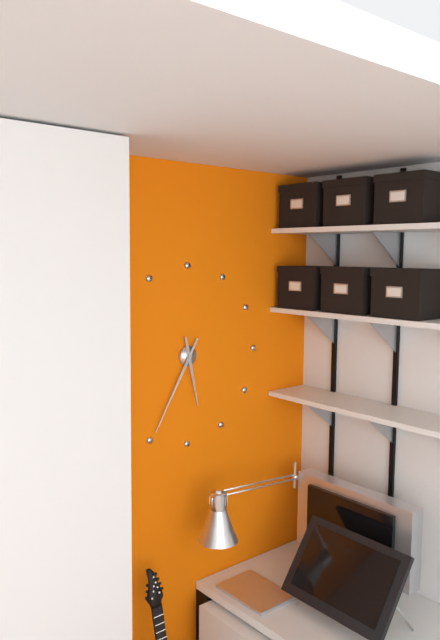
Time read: 5:35
